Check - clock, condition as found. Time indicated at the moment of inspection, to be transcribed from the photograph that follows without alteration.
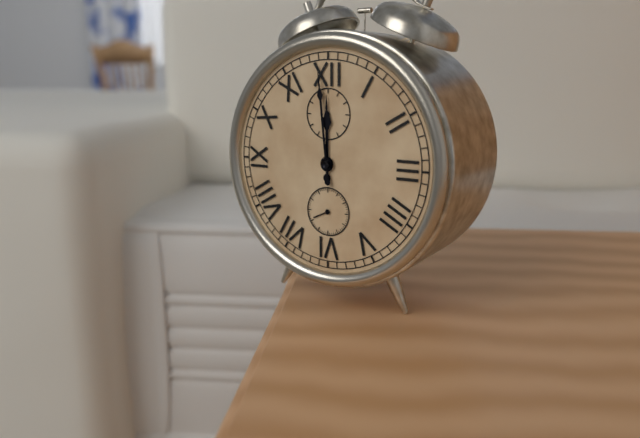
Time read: 11:59
